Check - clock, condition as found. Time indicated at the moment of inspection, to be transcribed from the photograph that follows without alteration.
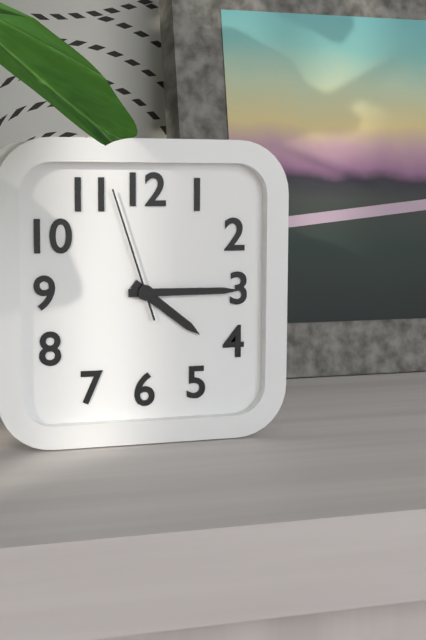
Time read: 4:15:57
